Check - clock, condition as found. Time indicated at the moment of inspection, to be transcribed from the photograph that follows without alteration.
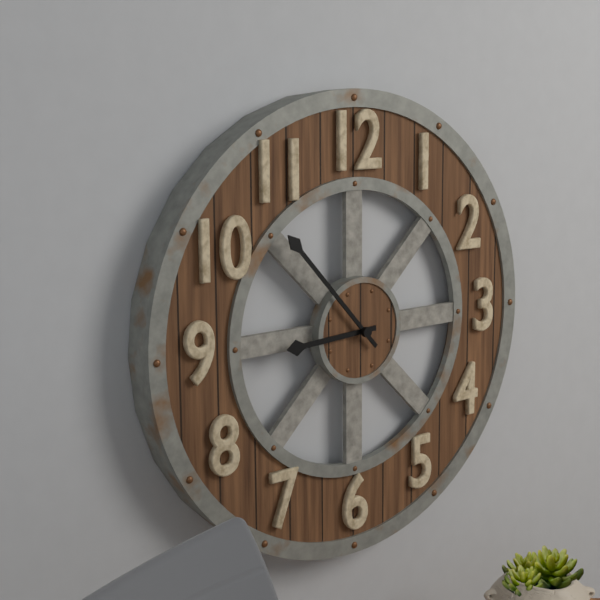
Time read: 8:53
